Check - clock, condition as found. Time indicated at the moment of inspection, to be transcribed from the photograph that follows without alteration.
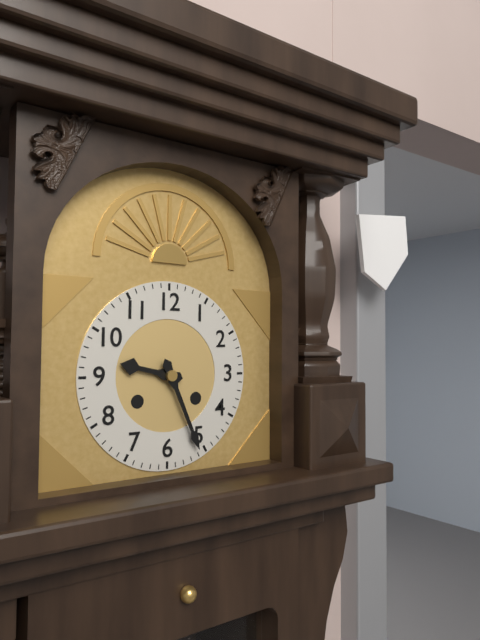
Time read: 9:26
